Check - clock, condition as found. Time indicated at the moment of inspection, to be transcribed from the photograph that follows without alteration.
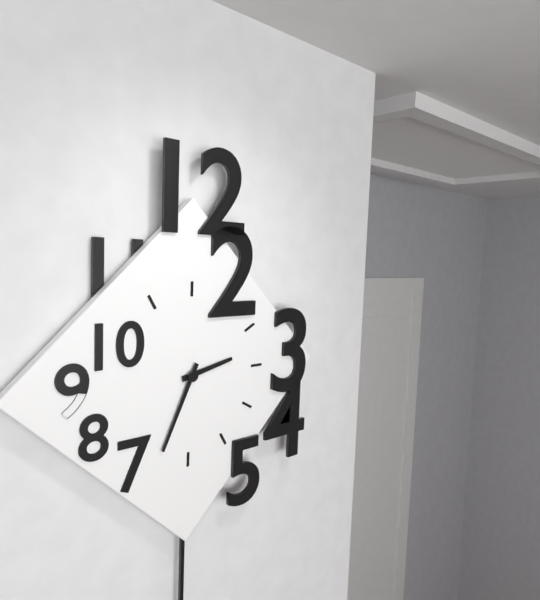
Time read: 2:34
